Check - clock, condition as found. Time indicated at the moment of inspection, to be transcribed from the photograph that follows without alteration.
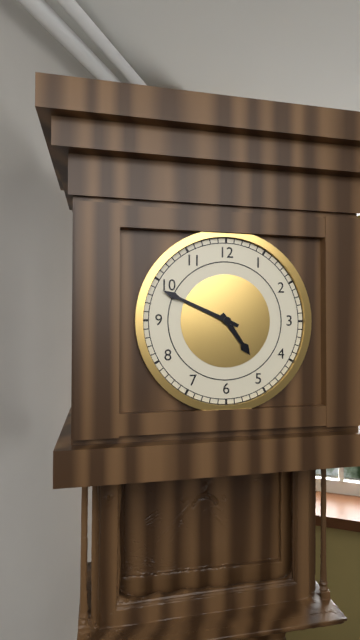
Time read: 4:49
